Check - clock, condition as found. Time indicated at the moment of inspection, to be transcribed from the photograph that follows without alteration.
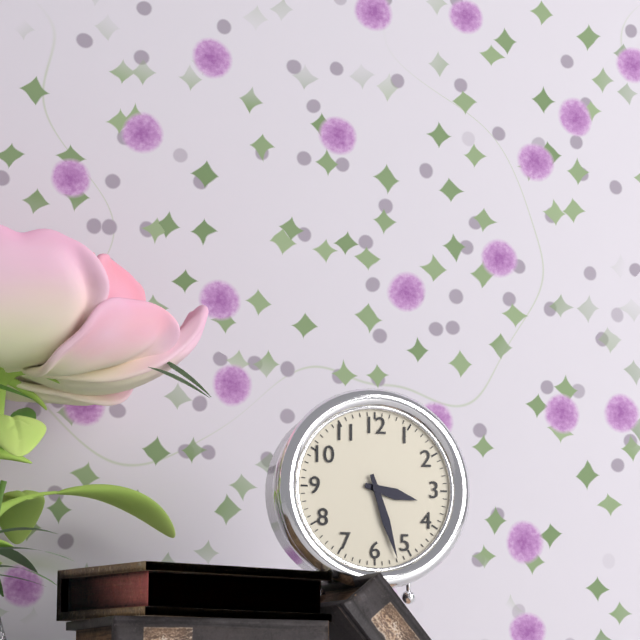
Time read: 3:27
